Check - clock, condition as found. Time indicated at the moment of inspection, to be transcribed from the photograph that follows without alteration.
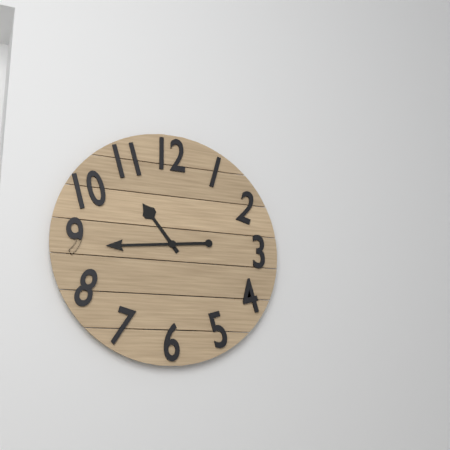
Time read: 10:44
